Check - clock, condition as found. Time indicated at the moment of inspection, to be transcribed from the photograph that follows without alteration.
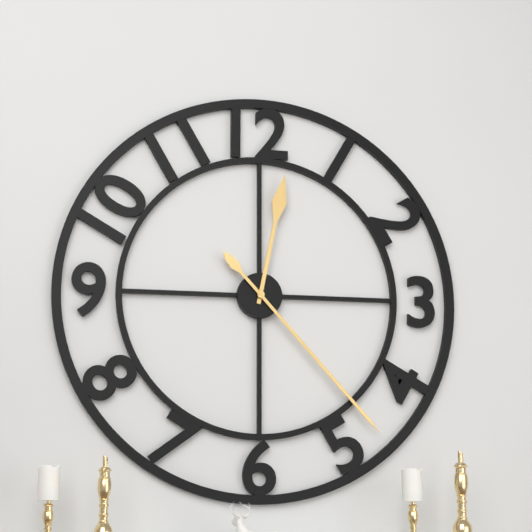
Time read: 12:23
